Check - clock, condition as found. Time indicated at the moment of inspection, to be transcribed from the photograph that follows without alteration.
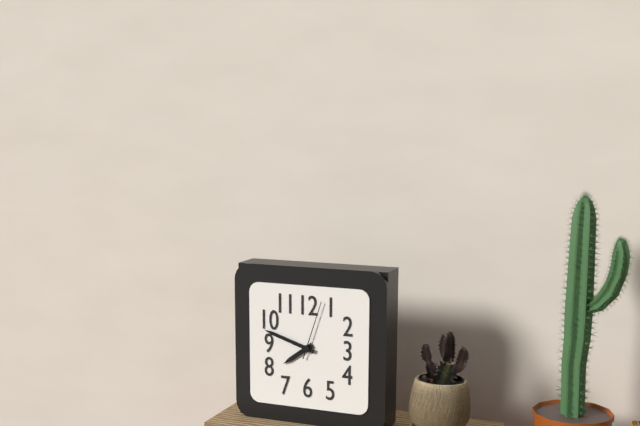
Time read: 7:48:03
